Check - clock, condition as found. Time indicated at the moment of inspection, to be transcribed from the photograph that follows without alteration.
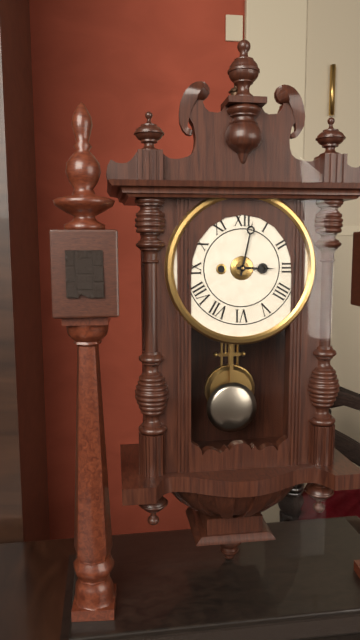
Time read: 3:02
